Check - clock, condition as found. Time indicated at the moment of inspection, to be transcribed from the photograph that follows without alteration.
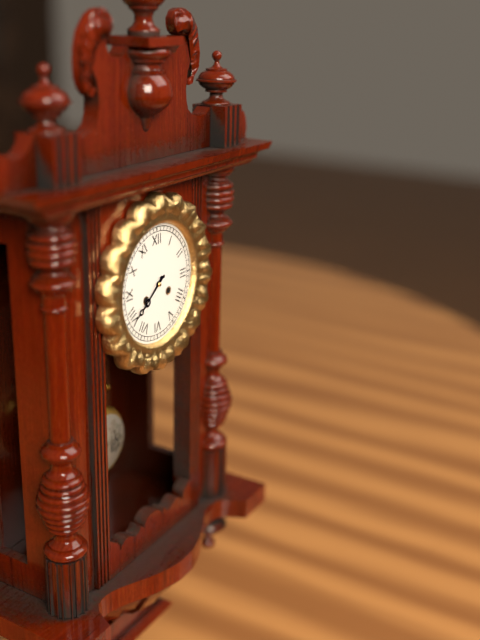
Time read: 7:39
